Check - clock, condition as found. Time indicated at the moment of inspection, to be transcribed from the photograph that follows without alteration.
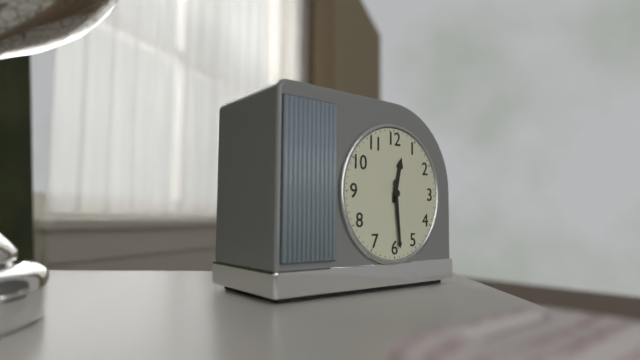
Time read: 12:29
